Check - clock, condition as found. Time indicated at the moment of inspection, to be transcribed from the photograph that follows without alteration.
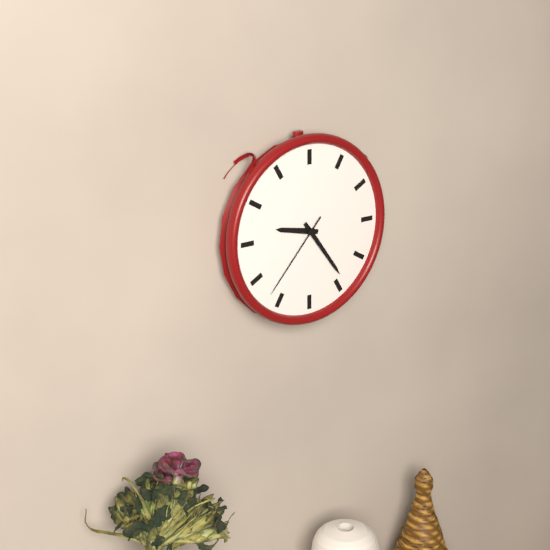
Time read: 9:24:37
